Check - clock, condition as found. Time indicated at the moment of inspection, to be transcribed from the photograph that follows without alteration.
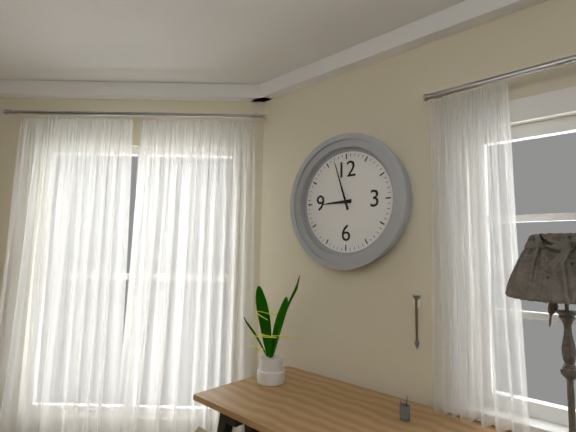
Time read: 8:57
